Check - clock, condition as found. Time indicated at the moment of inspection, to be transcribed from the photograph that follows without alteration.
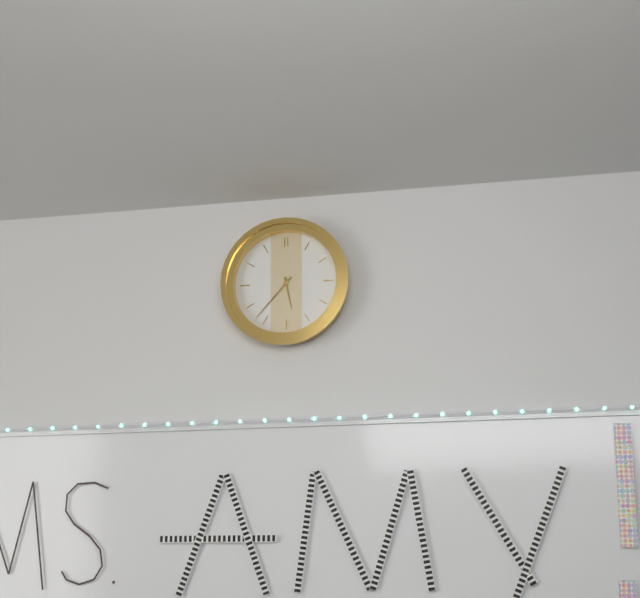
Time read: 5:37
